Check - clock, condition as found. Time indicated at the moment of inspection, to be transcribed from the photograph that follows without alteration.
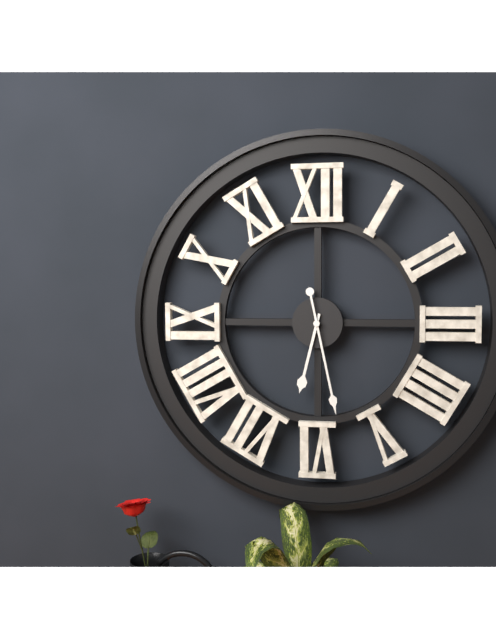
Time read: 6:28
